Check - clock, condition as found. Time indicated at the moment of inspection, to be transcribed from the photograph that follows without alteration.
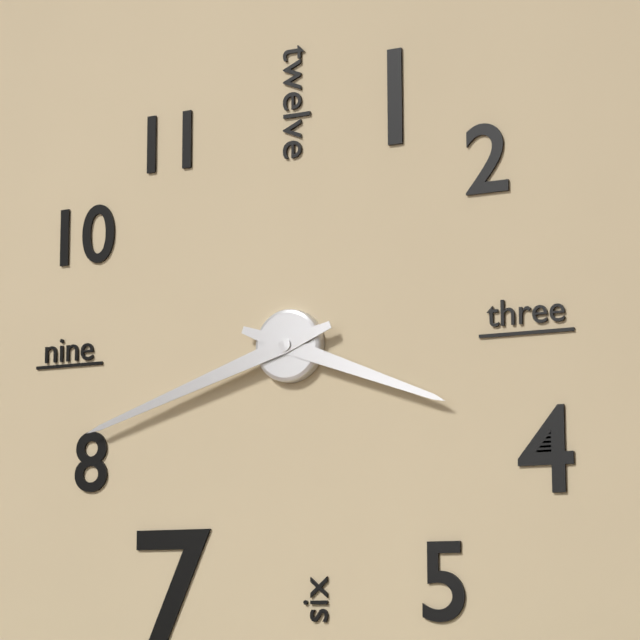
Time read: 3:42
